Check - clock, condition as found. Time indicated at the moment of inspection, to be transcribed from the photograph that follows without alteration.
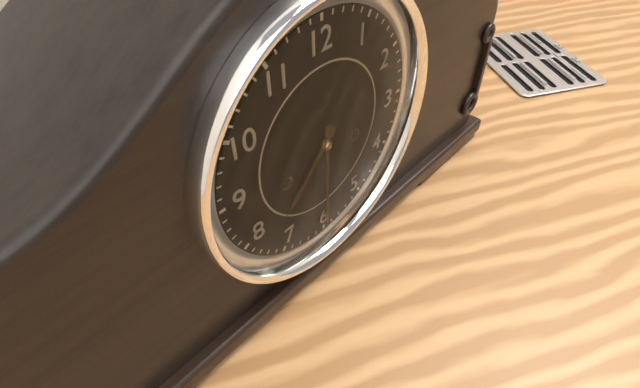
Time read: 7:30
